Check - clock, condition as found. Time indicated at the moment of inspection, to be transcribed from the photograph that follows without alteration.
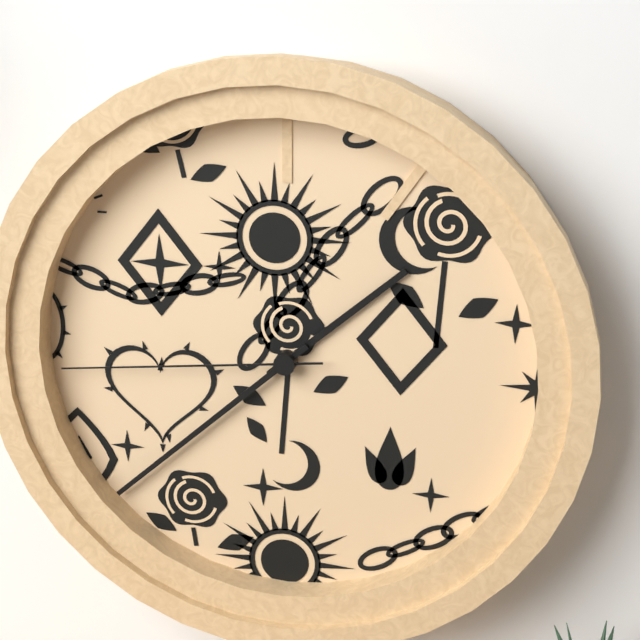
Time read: 1:38:44
